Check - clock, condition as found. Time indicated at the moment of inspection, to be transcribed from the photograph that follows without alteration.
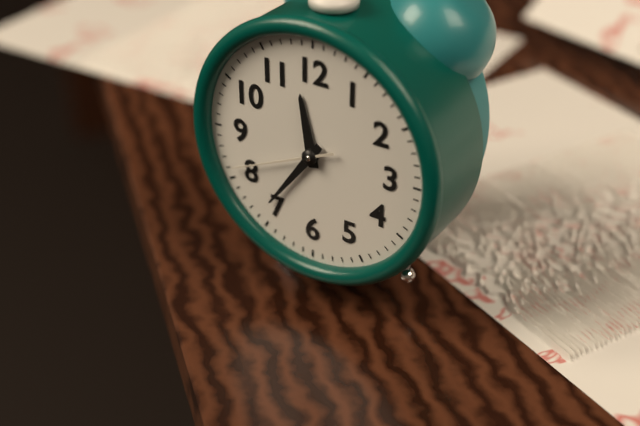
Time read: 11:36:41
